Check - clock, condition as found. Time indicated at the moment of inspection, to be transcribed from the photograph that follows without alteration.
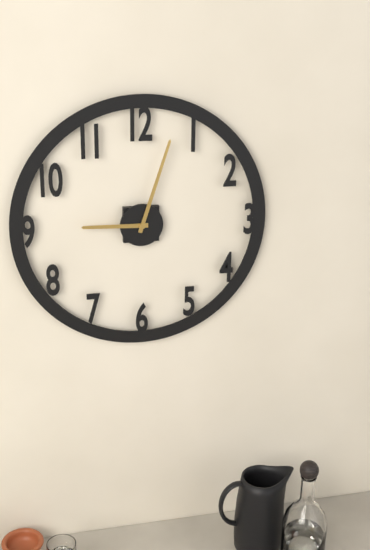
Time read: 9:03
